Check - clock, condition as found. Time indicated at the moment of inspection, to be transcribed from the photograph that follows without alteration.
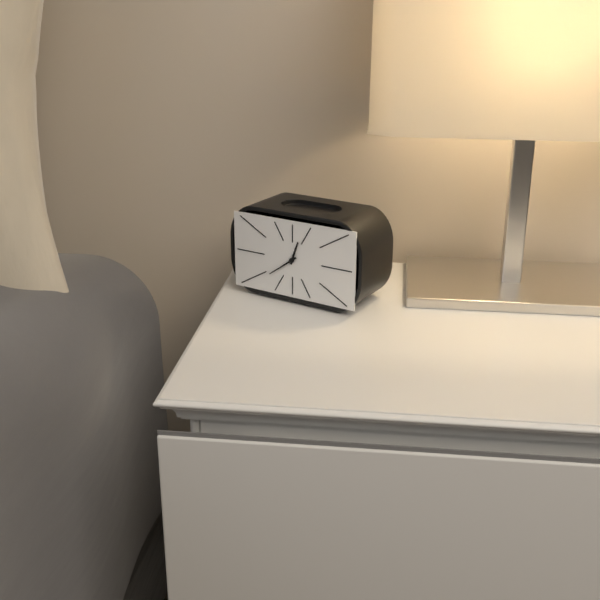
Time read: 12:39
